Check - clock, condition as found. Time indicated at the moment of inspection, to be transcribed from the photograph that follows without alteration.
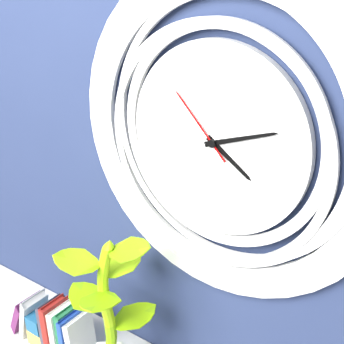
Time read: 4:12:53
